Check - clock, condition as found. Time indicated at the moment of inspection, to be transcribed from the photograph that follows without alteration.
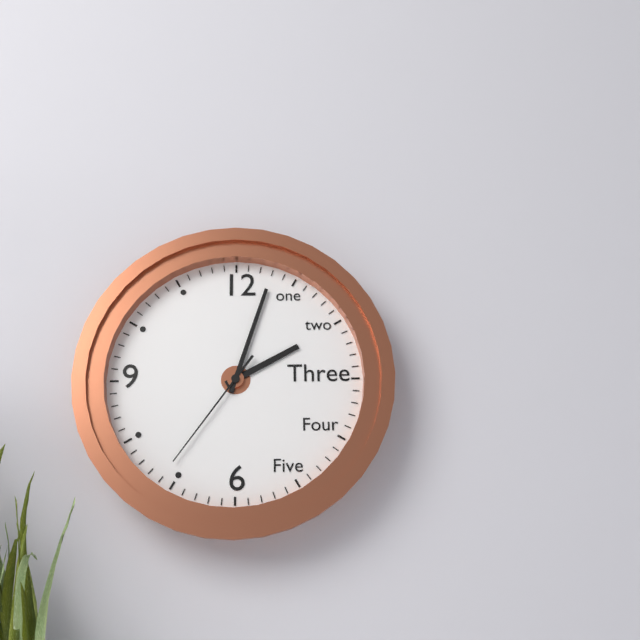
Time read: 2:03:36
